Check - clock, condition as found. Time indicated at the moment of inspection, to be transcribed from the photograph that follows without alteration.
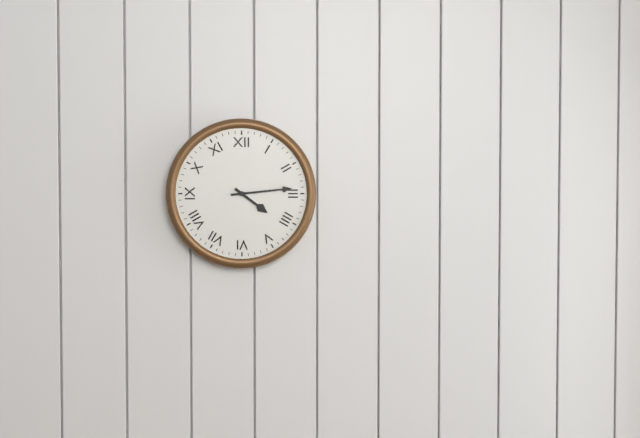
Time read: 4:14
